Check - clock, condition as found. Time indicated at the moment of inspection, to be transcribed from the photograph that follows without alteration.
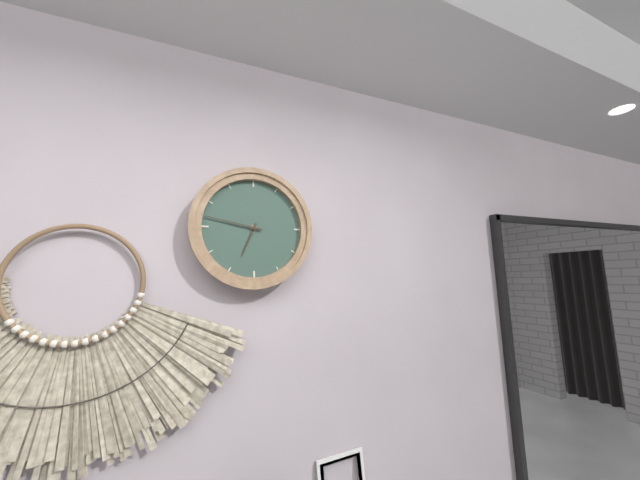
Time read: 6:47
